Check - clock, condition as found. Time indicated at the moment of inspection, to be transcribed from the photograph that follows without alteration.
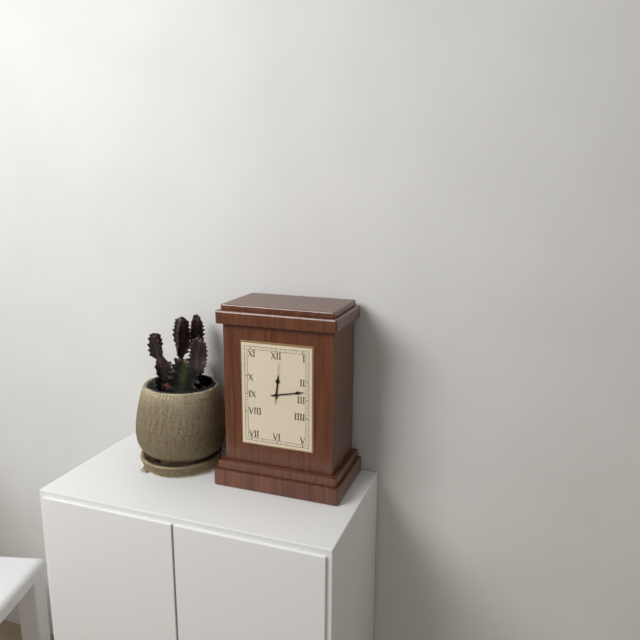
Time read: 12:13
